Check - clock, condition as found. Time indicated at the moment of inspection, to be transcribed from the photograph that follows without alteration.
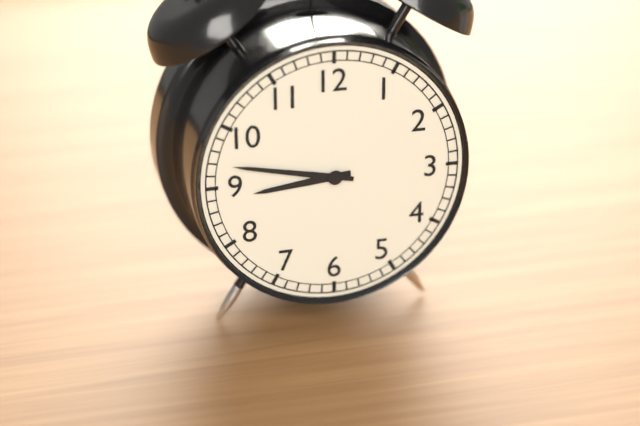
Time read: 8:47
